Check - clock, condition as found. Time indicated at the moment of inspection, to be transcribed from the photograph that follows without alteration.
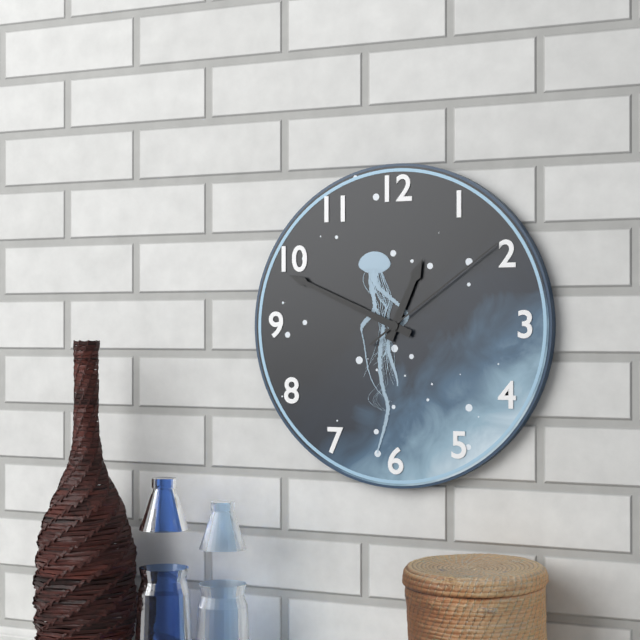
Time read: 12:49:09
